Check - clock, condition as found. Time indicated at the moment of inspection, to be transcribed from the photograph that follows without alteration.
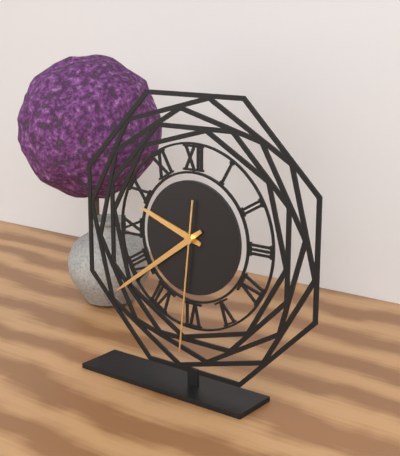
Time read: 9:39:31
